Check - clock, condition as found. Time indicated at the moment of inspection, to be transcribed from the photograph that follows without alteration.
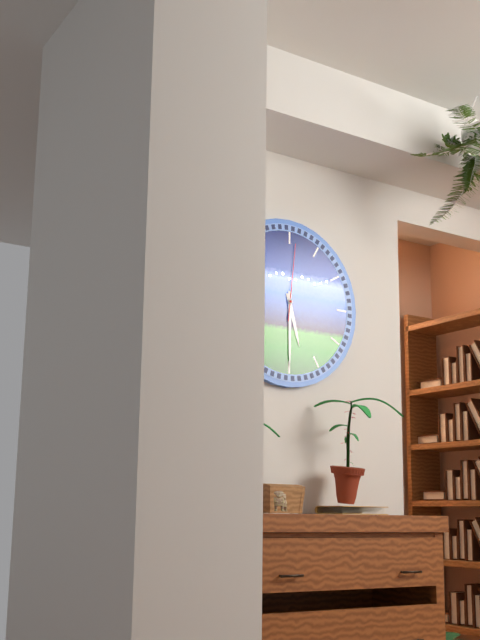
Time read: 5:30:01
